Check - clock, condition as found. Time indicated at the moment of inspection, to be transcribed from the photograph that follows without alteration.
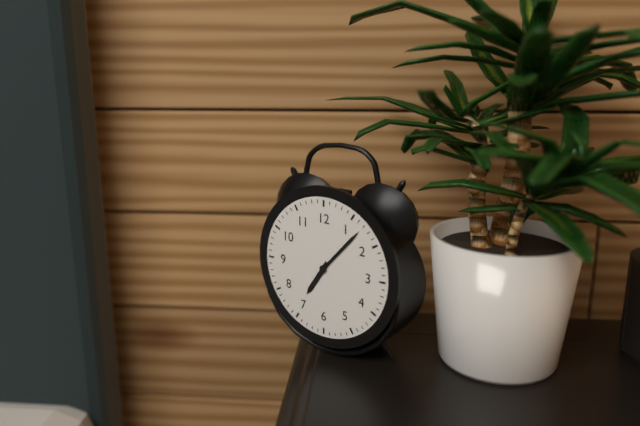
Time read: 7:07
